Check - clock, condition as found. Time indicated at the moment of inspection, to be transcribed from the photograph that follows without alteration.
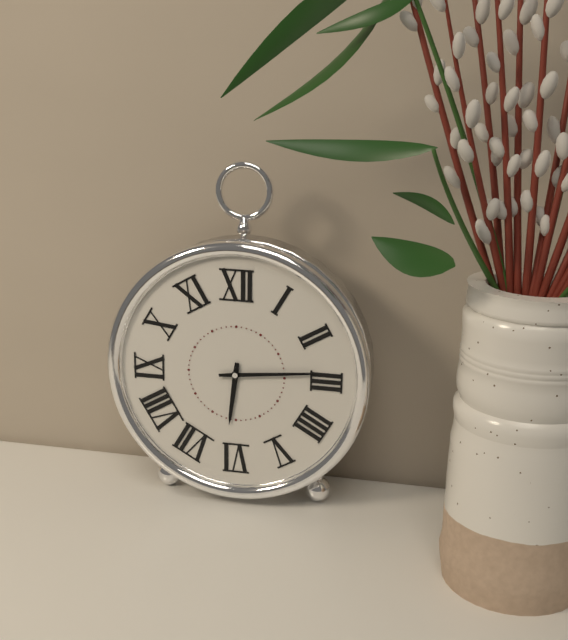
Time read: 6:14
